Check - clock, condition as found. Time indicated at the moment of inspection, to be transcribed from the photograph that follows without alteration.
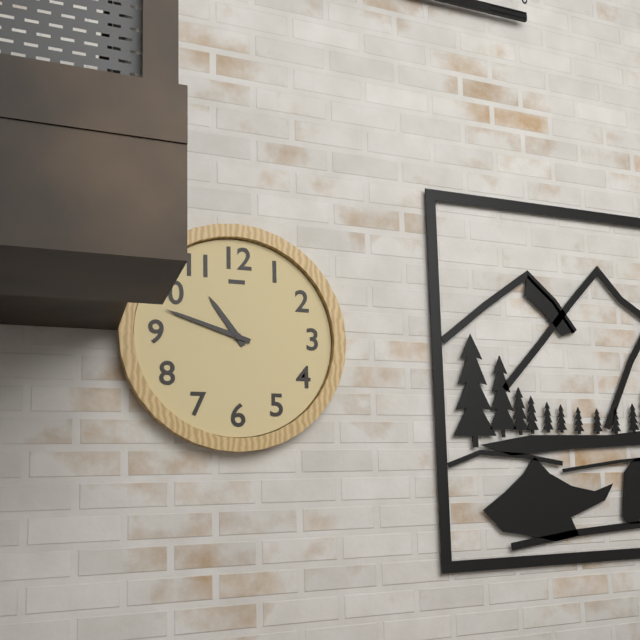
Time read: 10:48
